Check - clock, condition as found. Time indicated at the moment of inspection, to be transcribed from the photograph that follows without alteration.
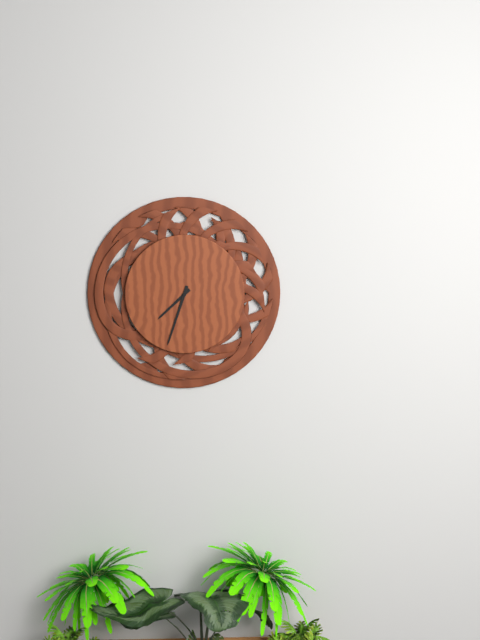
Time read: 7:33
